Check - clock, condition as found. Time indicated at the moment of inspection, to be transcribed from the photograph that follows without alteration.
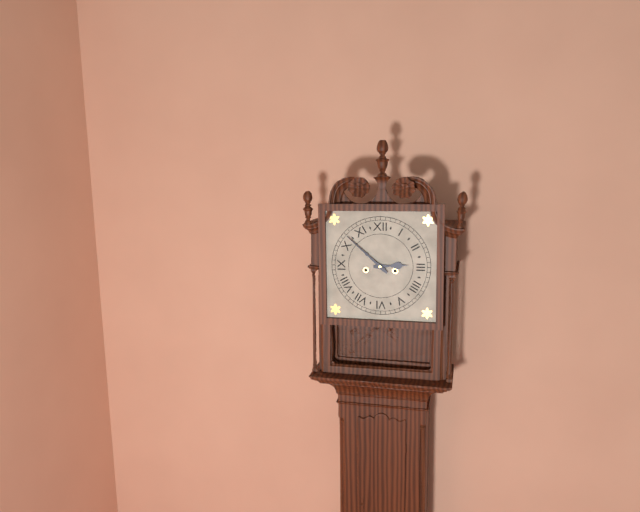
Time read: 2:52
